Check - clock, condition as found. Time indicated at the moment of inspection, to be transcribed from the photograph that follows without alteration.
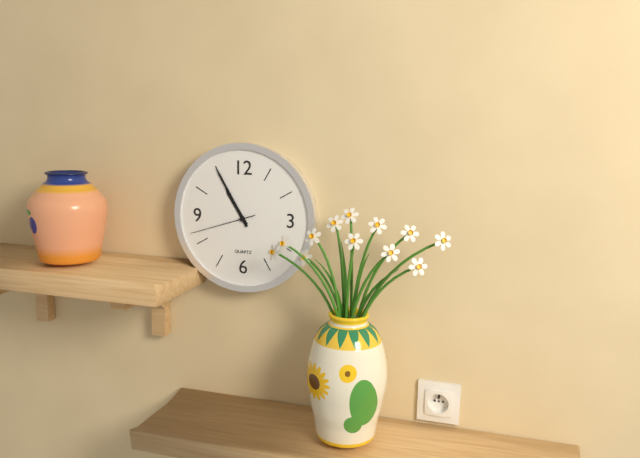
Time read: 10:55:42
